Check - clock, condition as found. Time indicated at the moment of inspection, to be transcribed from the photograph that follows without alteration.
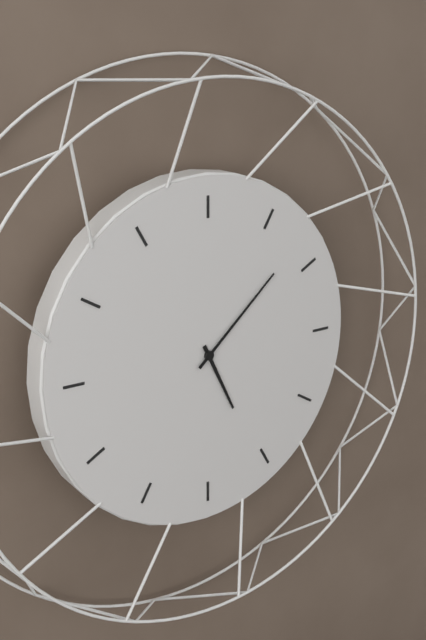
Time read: 5:08
